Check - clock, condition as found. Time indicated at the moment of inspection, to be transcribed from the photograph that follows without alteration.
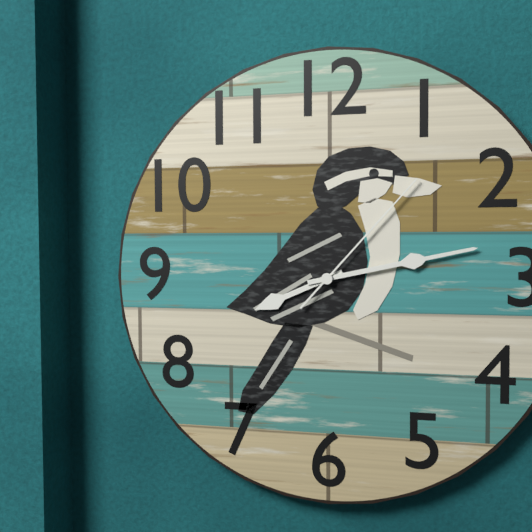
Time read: 8:13:07
